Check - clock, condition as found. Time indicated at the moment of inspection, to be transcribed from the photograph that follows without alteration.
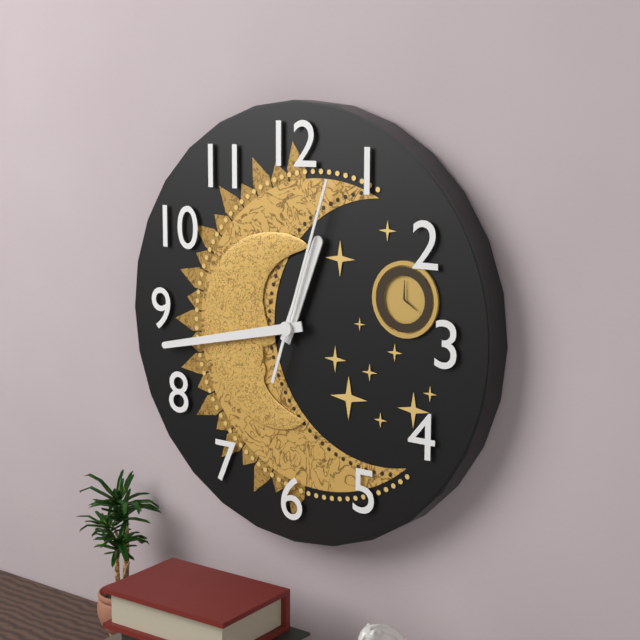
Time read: 12:43:03
